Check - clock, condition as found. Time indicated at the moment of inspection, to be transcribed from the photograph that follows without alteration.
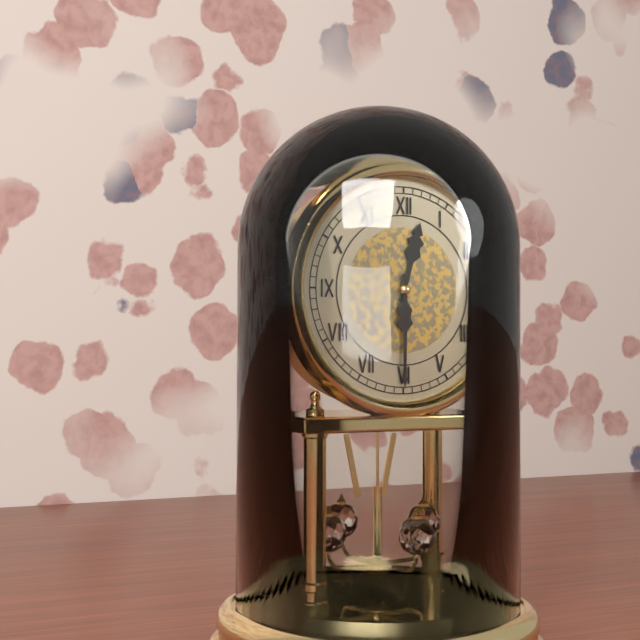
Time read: 12:30
